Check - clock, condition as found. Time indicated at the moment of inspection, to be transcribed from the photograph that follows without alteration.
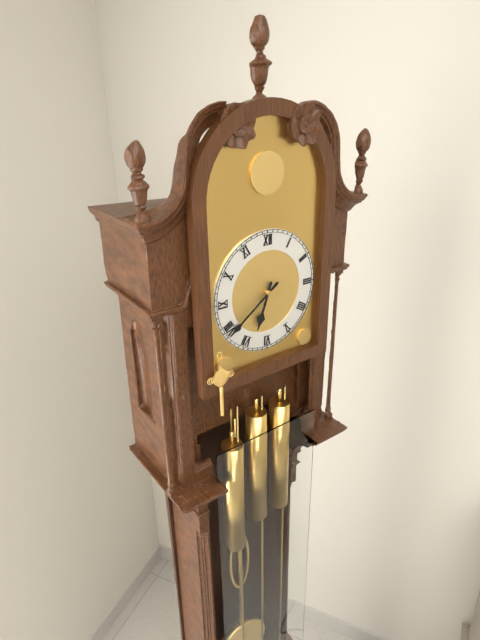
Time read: 6:39
